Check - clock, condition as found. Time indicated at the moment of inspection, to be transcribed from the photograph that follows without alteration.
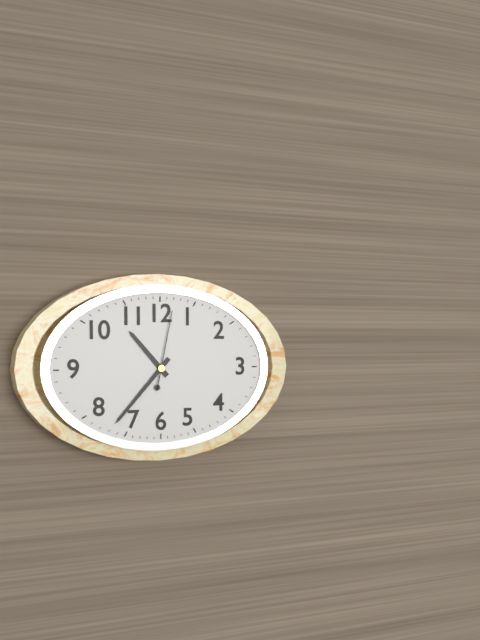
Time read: 10:37:02
